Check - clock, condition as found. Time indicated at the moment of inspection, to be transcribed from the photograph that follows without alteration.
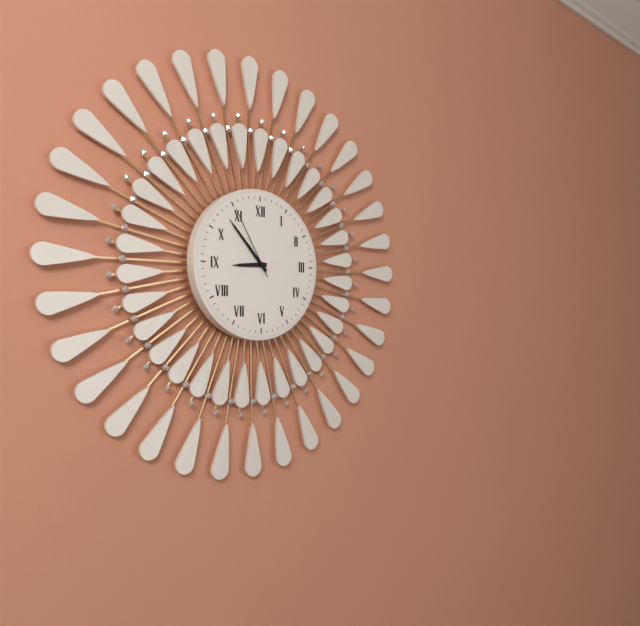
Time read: 8:53:55
